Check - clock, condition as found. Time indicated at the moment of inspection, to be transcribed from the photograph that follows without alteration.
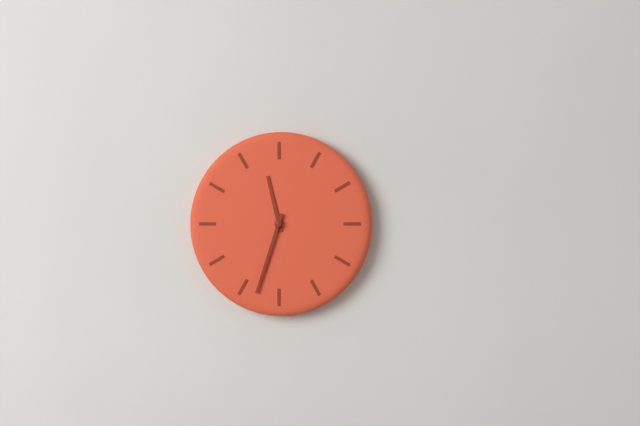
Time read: 11:33
